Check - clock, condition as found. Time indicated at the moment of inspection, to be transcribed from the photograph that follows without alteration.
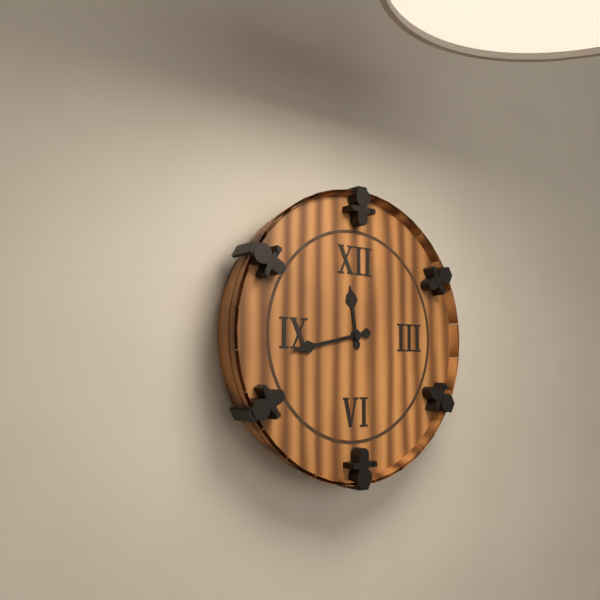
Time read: 11:43
